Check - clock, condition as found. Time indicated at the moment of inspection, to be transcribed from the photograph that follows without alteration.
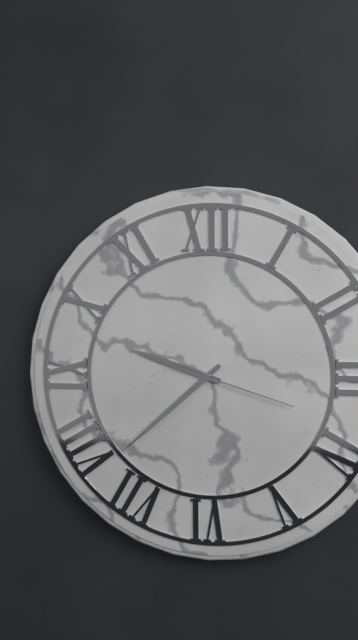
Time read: 9:38:18
